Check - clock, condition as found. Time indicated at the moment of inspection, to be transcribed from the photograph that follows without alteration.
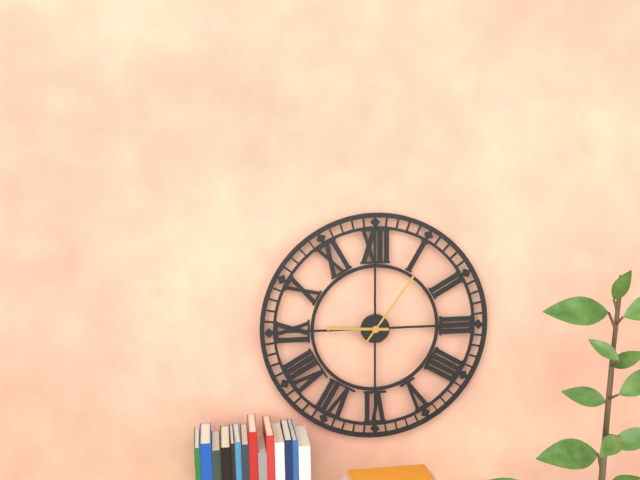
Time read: 9:06
